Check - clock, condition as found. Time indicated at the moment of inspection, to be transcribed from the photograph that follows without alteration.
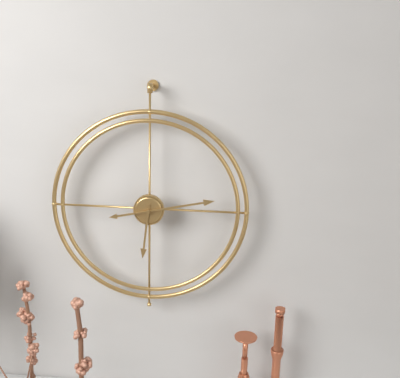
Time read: 6:13
